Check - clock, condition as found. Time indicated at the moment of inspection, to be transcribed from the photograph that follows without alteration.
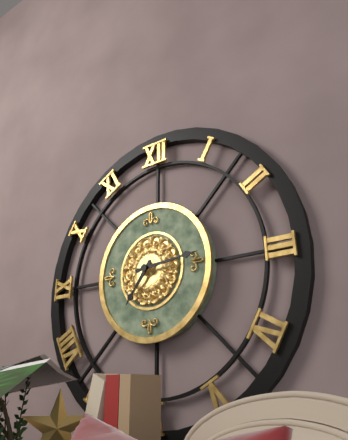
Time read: 7:14
